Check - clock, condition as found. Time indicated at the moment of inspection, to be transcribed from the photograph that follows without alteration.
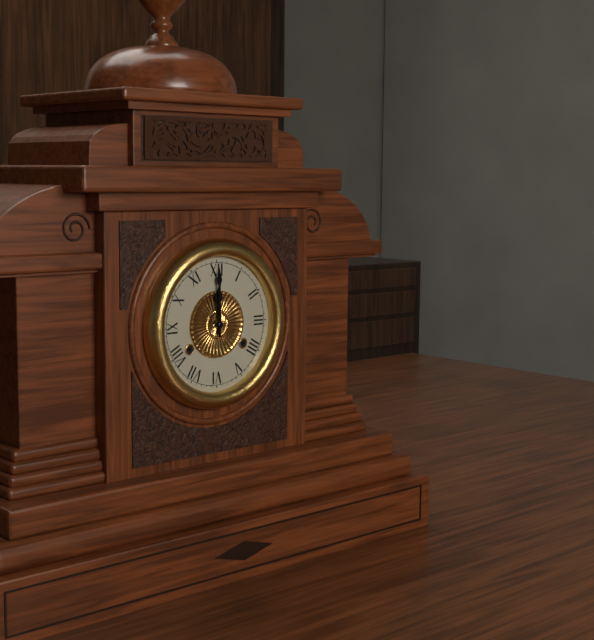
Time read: 12:00
